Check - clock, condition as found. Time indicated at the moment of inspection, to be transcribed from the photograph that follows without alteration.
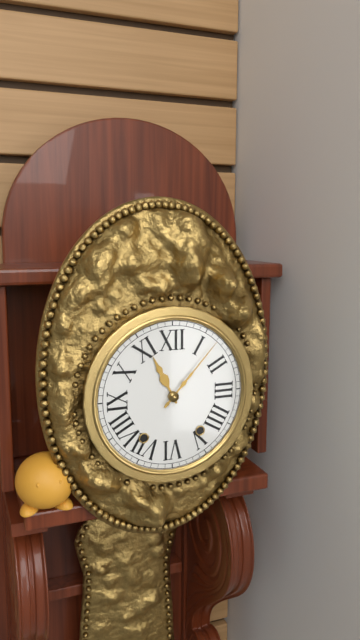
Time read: 11:07
